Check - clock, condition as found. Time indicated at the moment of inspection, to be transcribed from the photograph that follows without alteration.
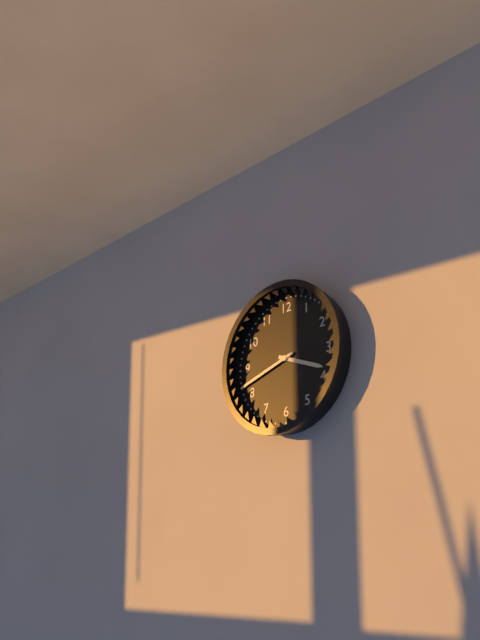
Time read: 3:42
